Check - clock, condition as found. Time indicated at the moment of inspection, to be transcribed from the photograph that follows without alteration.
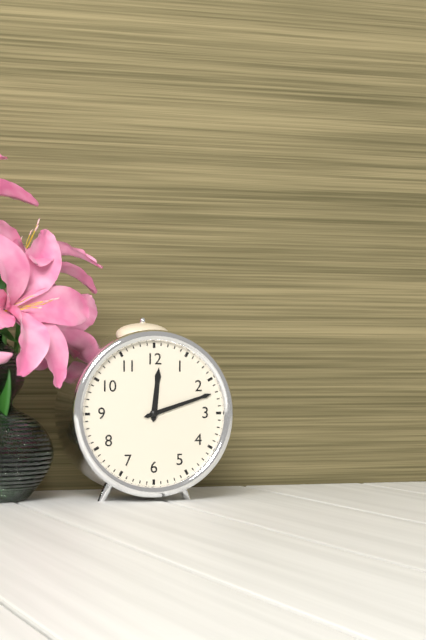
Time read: 12:12
